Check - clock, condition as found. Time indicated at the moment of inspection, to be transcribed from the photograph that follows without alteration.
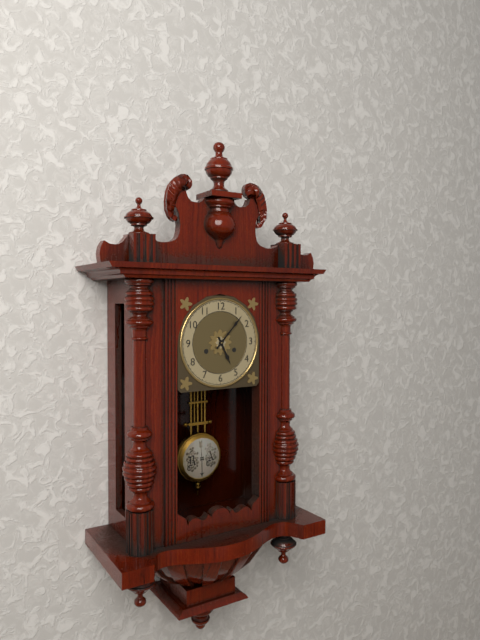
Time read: 5:07
